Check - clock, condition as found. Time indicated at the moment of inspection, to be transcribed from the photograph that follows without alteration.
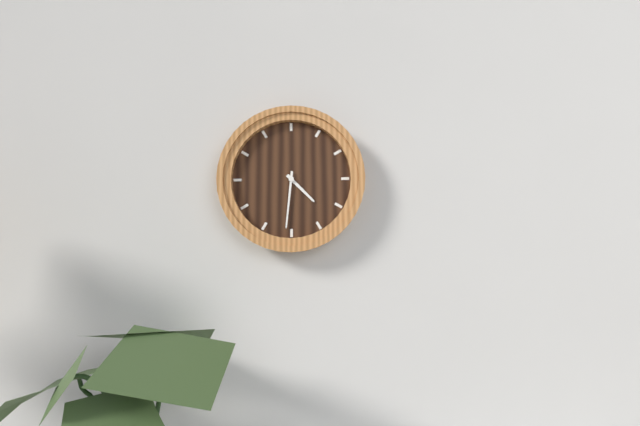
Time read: 4:31
